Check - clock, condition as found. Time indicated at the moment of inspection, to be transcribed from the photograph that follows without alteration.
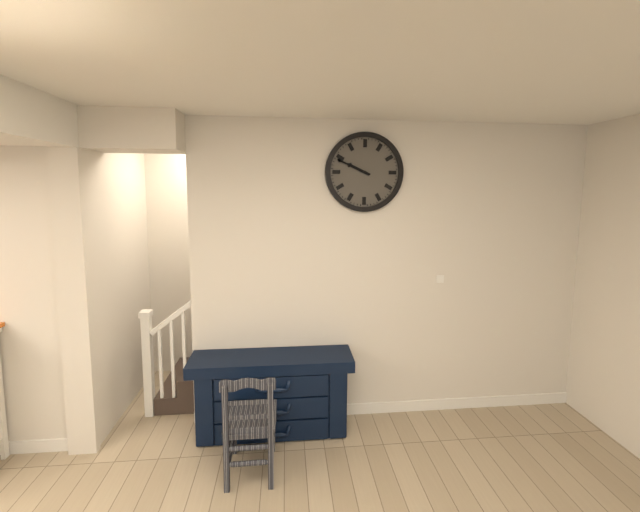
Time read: 9:49
